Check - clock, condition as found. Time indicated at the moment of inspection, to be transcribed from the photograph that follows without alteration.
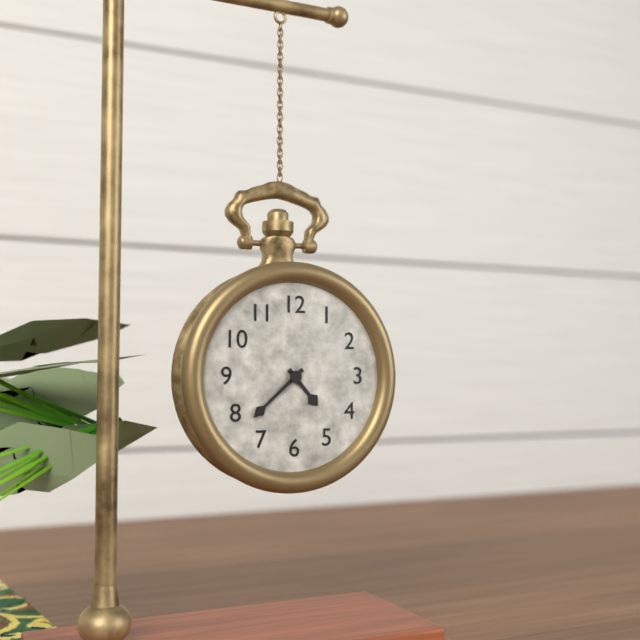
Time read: 4:38
